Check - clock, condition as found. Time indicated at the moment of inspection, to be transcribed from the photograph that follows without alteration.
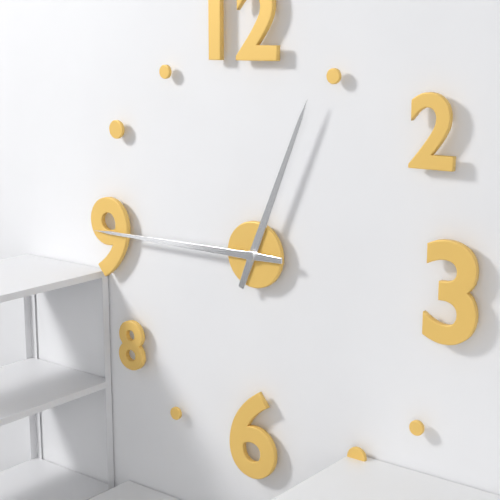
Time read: 12:45
